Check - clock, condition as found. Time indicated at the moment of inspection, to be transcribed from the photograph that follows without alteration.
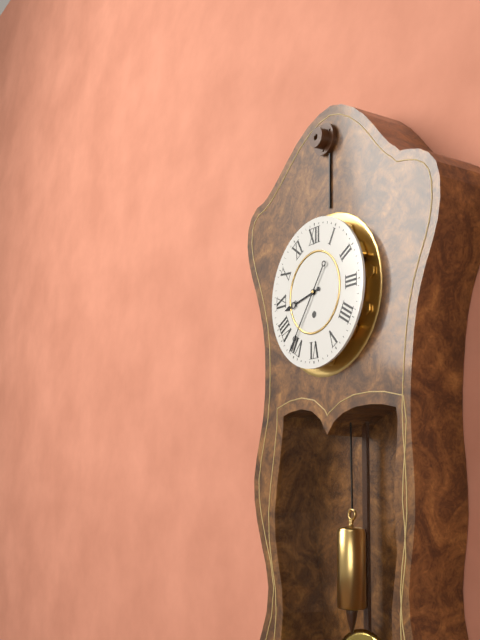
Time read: 8:36
